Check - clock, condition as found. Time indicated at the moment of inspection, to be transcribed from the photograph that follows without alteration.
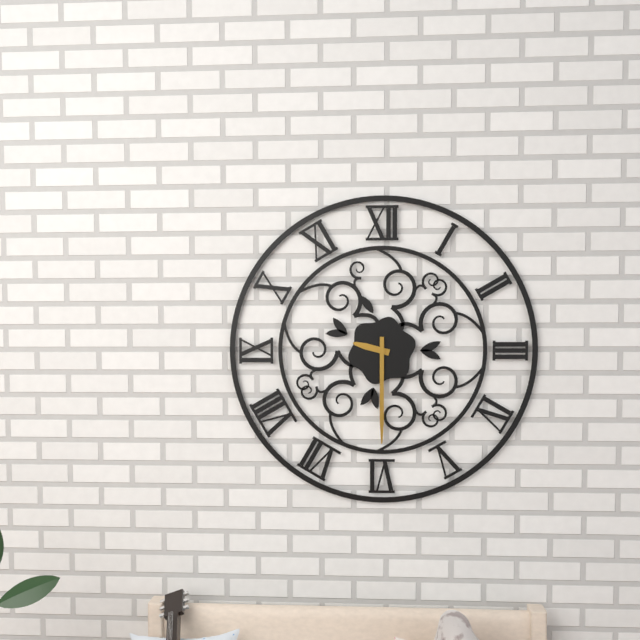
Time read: 9:30
